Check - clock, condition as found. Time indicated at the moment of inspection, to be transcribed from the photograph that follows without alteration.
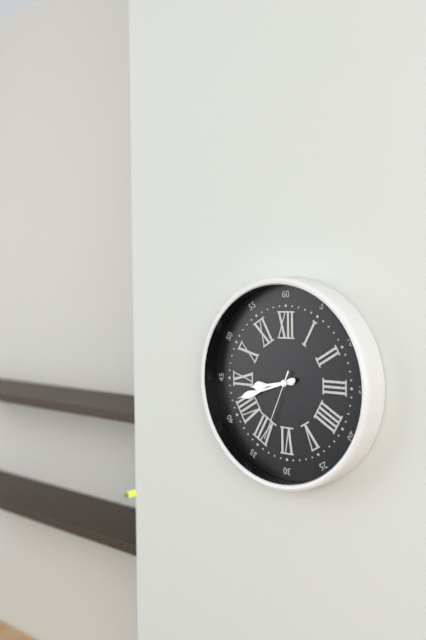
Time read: 8:42:34
